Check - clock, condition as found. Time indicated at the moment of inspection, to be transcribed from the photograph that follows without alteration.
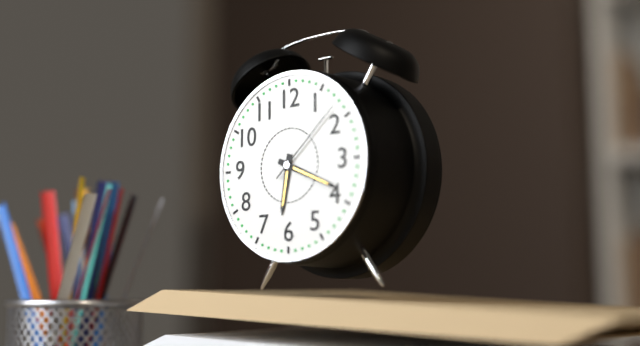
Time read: 6:19:08
